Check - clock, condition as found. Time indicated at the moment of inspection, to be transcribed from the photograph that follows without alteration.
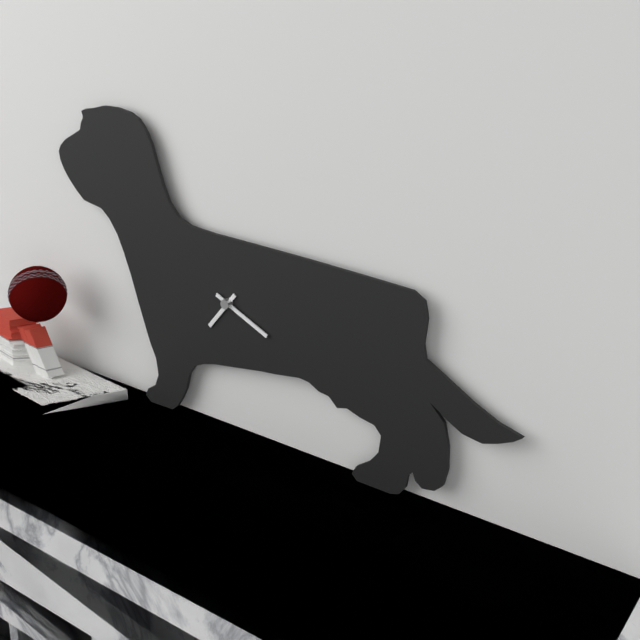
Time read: 7:19
